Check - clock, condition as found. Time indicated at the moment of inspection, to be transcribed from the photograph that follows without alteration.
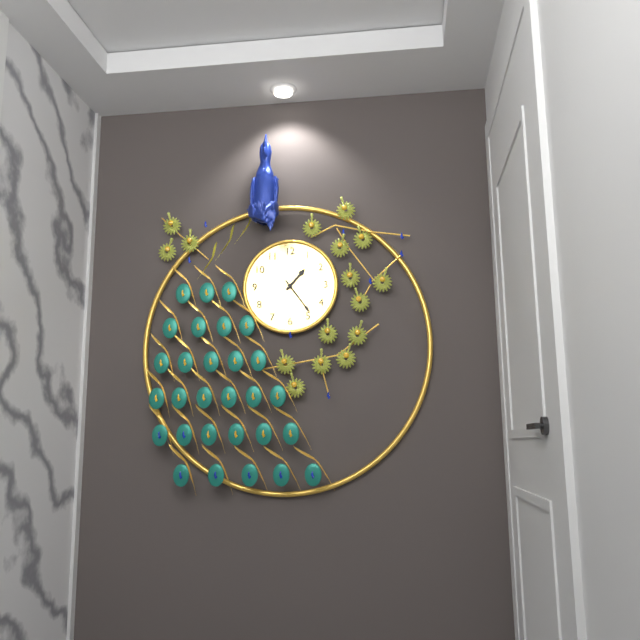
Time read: 1:24
